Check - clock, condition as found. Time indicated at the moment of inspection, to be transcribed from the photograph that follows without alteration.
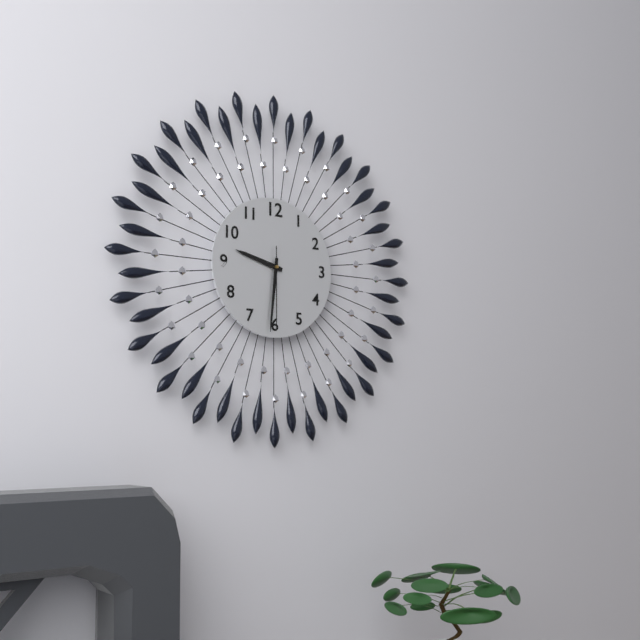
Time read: 9:31:30
